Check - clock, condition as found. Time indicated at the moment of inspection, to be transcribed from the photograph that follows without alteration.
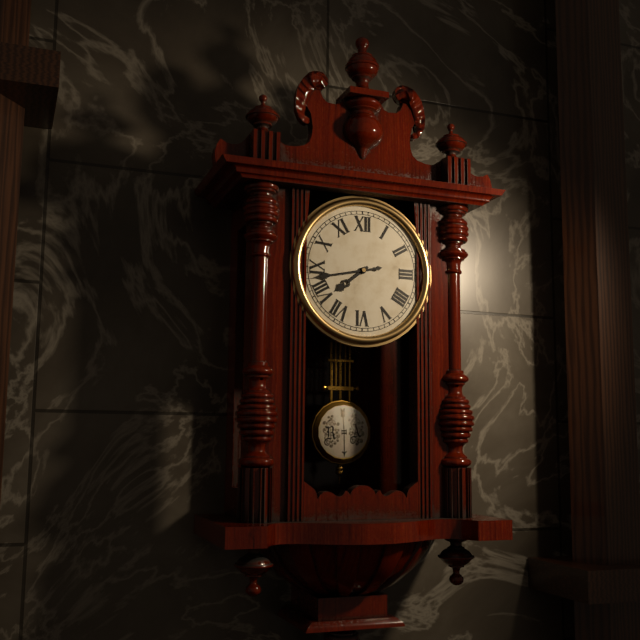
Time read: 7:43
